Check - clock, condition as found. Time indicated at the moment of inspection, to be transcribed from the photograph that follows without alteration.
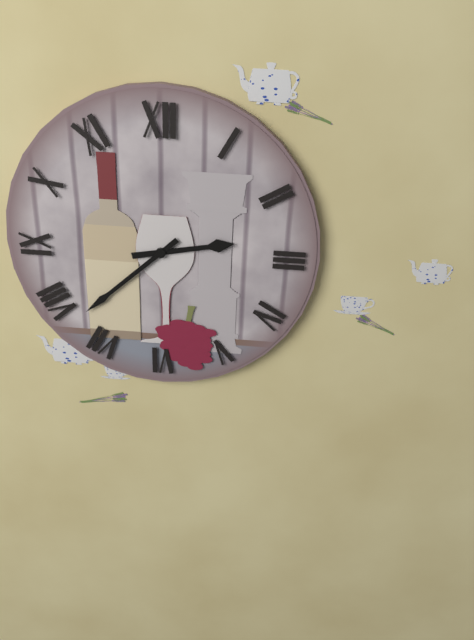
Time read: 2:38
